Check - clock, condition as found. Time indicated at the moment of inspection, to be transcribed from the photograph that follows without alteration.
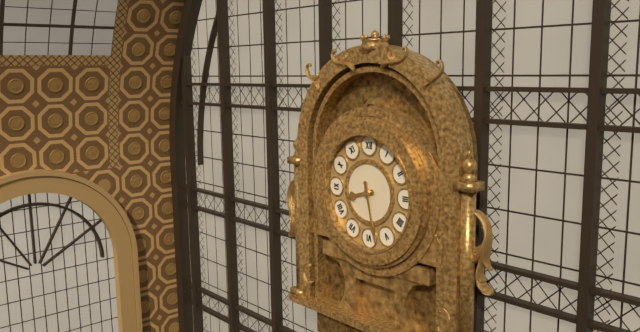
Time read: 8:28
